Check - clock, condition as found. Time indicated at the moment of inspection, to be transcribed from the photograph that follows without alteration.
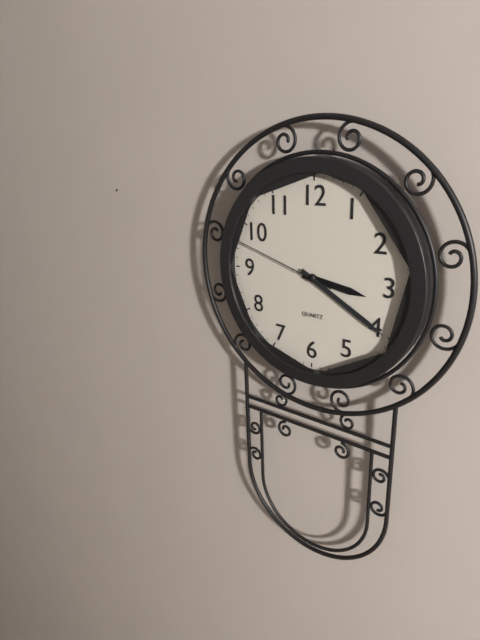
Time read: 3:20:48
